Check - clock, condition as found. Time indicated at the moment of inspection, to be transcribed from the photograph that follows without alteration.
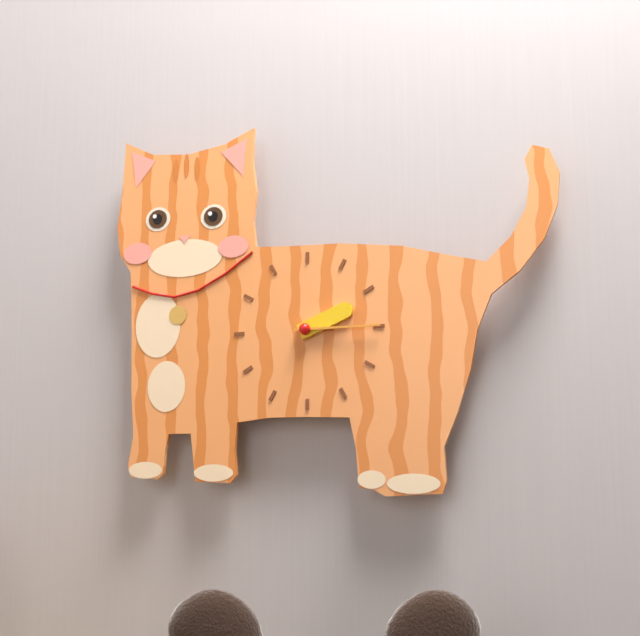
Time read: 2:15
